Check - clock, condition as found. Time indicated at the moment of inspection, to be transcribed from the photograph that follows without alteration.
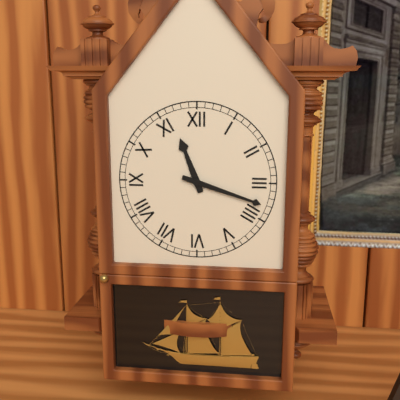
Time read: 11:18
